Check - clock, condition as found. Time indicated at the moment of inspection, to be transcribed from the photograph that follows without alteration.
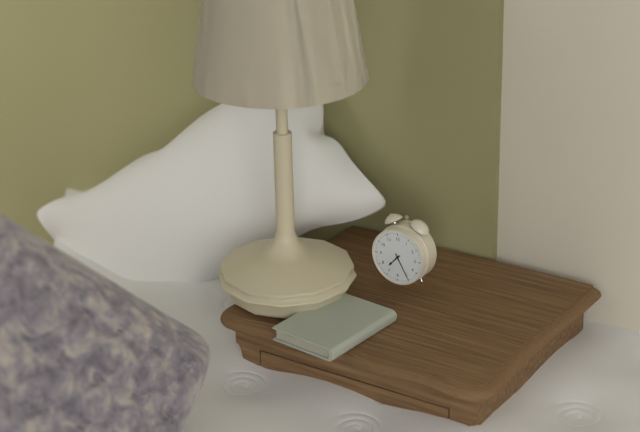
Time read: 7:25
